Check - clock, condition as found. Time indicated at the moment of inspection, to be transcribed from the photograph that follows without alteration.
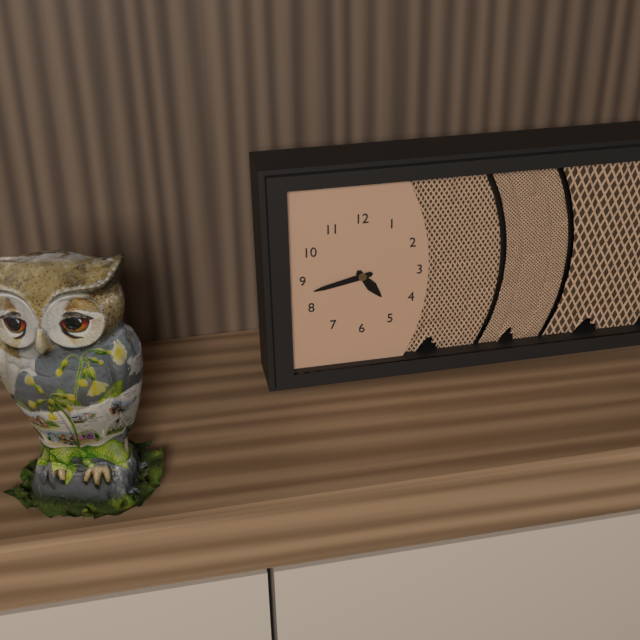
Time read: 4:43
